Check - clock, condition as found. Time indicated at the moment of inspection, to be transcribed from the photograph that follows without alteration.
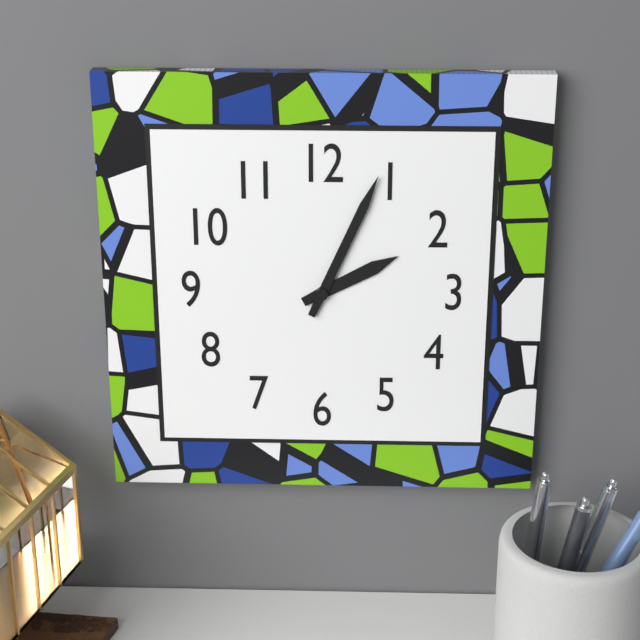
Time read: 2:04
